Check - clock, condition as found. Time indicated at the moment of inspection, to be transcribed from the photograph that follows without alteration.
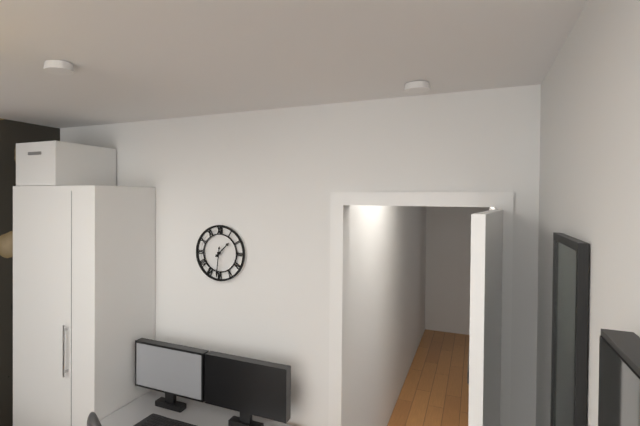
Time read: 1:31
